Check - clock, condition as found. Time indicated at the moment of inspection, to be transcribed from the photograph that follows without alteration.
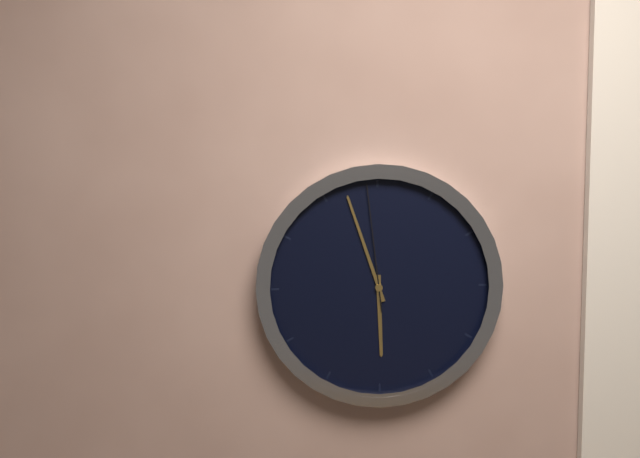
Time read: 5:57:59
